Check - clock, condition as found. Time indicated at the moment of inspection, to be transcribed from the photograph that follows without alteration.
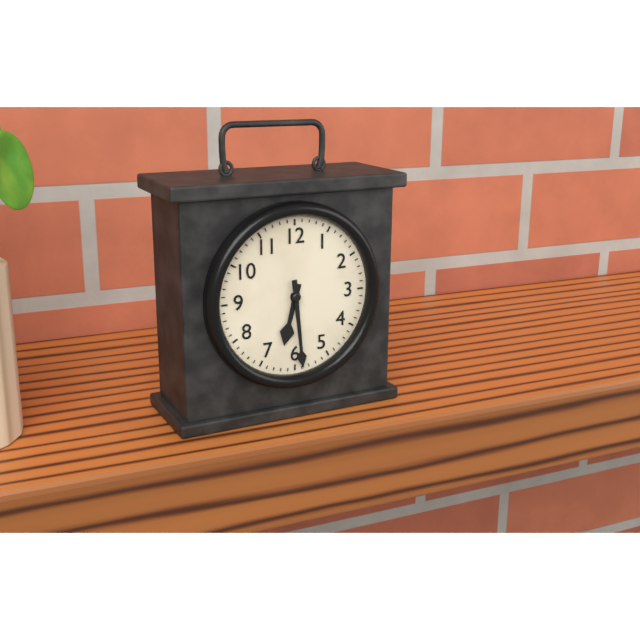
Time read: 6:29
